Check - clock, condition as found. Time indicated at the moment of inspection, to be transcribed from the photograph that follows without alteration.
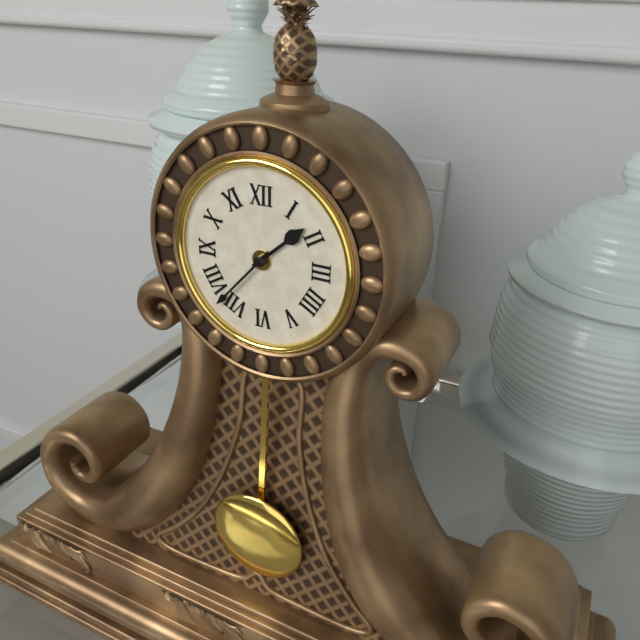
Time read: 1:37
